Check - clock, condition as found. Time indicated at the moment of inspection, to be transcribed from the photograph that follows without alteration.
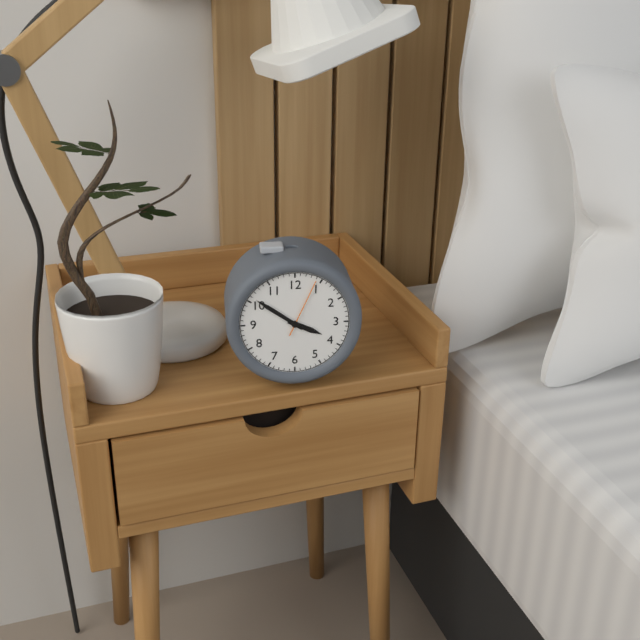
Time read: 3:51
